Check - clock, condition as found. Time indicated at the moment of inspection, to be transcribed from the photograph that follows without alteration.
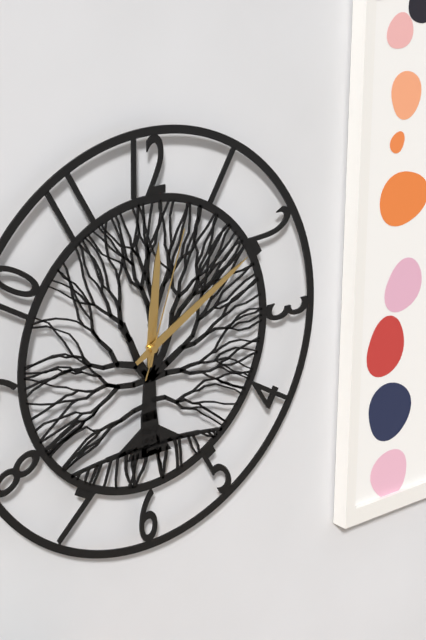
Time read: 12:10:03
